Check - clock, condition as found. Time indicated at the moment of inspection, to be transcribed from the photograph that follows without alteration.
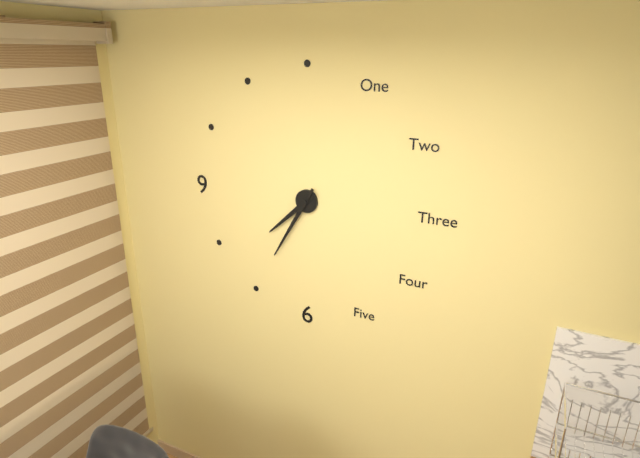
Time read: 7:35
